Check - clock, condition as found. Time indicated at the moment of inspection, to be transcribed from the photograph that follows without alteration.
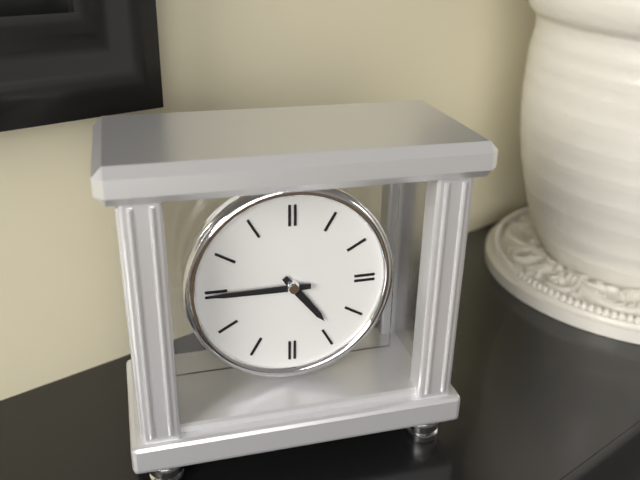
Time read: 4:45
